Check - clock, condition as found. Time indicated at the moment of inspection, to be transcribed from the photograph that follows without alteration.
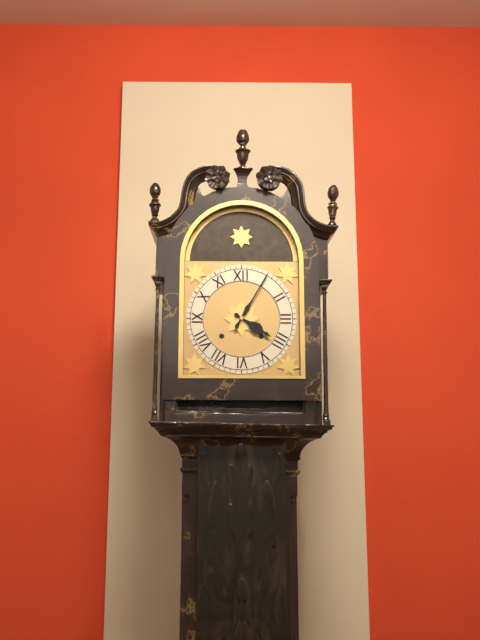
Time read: 4:05
